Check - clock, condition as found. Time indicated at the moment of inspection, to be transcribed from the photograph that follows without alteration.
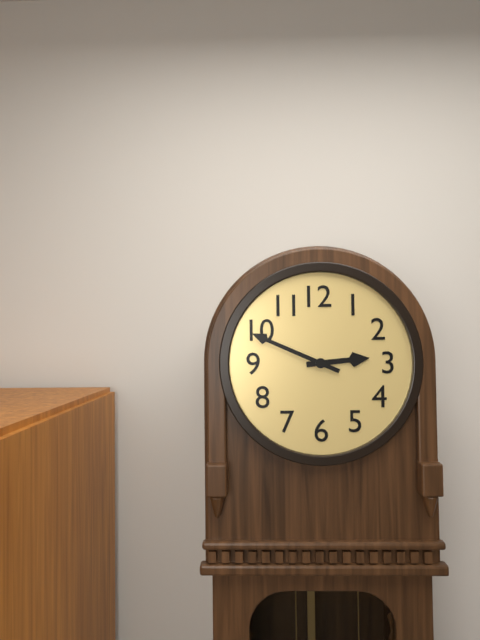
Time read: 2:49
